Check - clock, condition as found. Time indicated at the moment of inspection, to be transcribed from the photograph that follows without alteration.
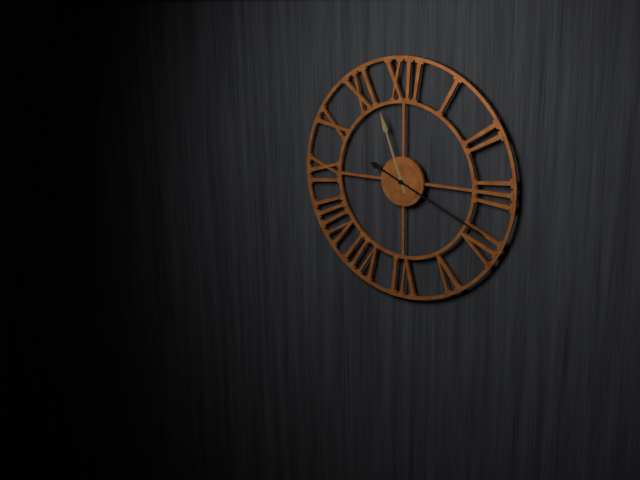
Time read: 11:19
